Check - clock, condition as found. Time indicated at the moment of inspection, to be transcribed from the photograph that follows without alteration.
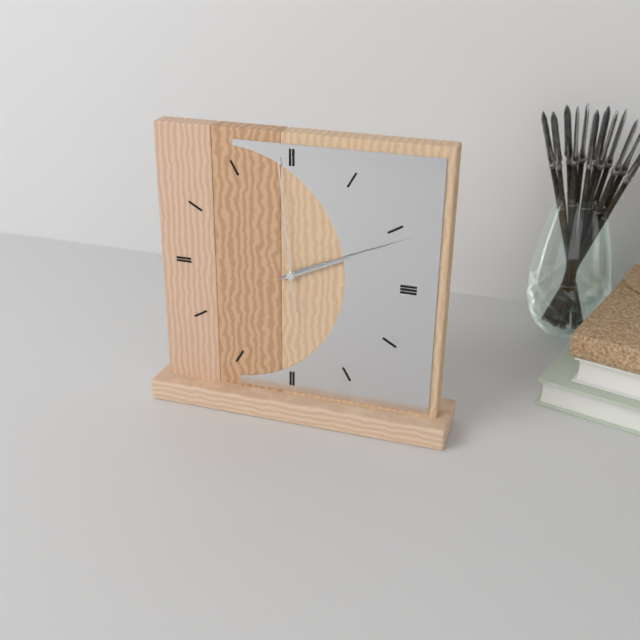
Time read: 2:11:59
